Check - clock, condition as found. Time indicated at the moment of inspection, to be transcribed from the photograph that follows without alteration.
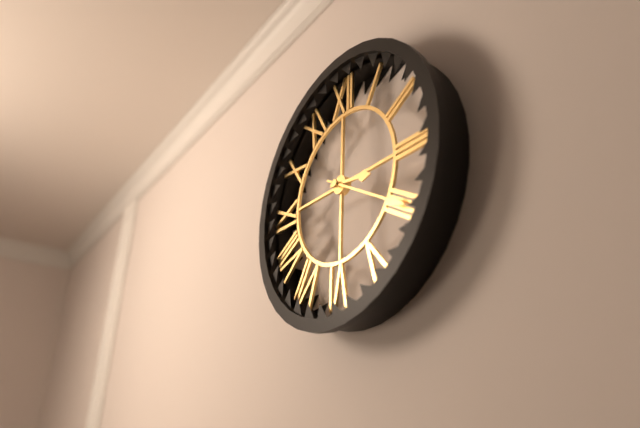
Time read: 3:20
